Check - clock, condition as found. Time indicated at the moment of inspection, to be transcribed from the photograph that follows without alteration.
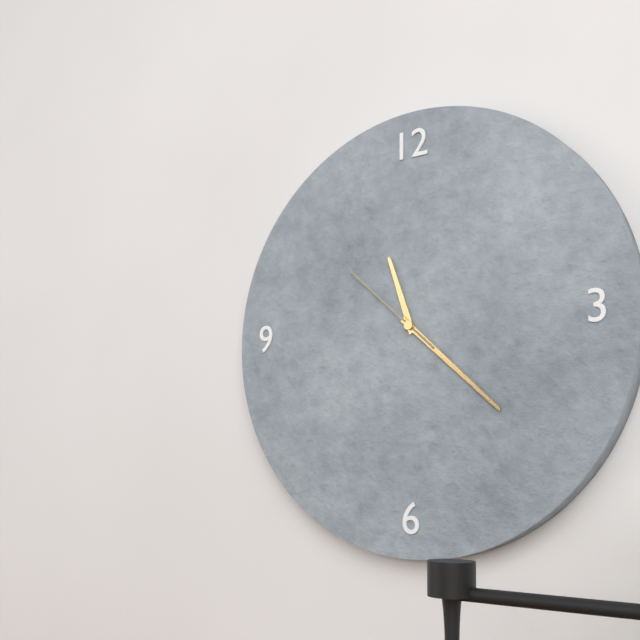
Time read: 11:22:52
